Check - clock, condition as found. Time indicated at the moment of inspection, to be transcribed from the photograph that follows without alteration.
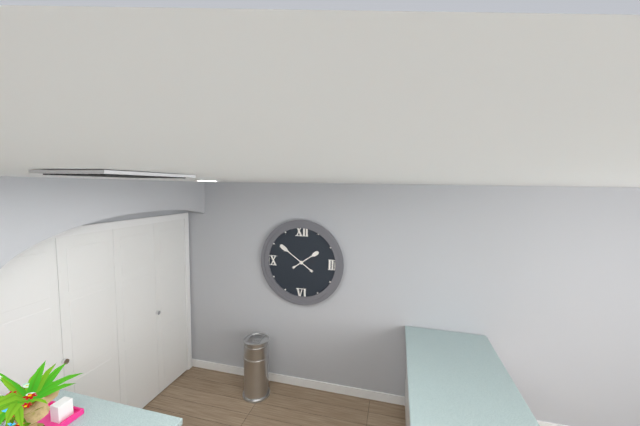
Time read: 1:51
